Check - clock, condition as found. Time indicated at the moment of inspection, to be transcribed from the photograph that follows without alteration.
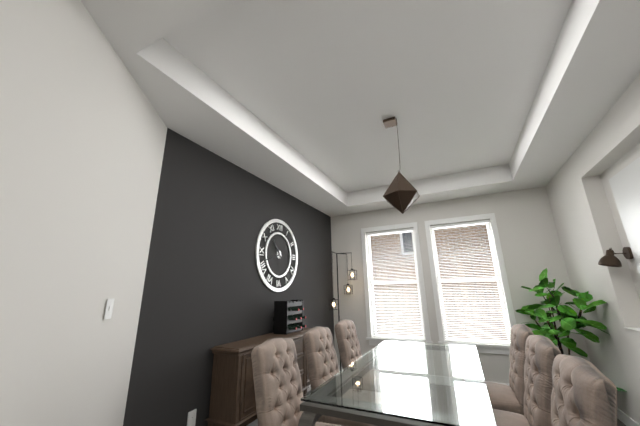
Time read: 10:42
